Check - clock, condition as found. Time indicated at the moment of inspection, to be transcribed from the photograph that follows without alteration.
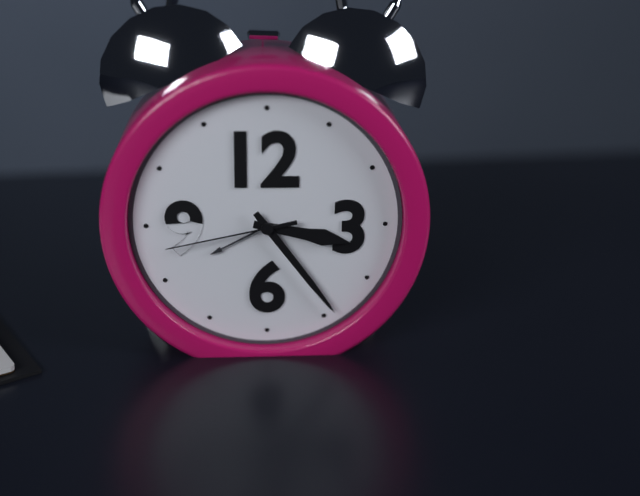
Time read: 3:24:43
